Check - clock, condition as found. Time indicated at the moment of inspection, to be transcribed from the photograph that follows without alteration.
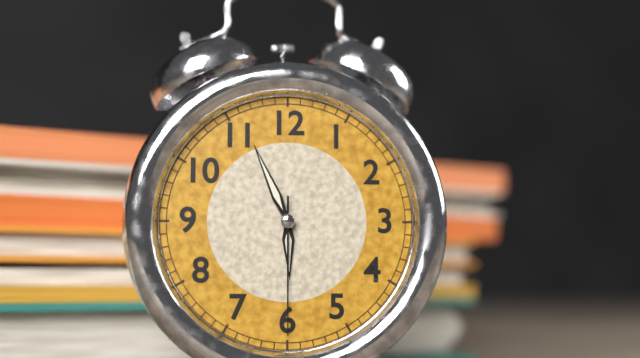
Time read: 5:56:30
